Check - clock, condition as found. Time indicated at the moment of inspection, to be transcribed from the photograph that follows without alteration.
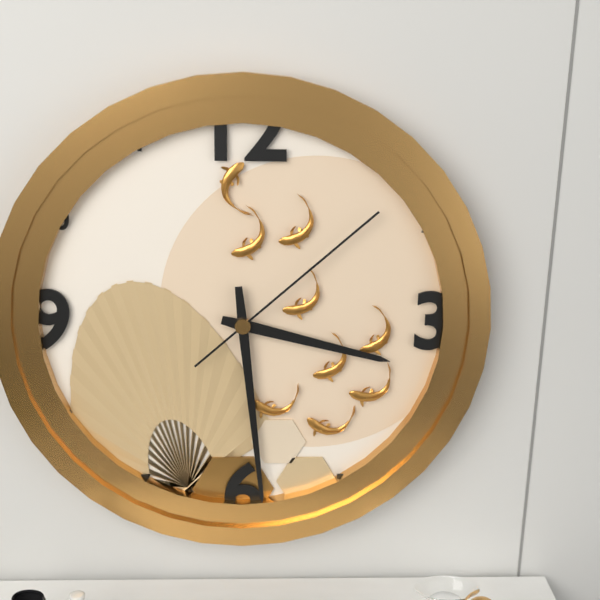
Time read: 3:29:08
